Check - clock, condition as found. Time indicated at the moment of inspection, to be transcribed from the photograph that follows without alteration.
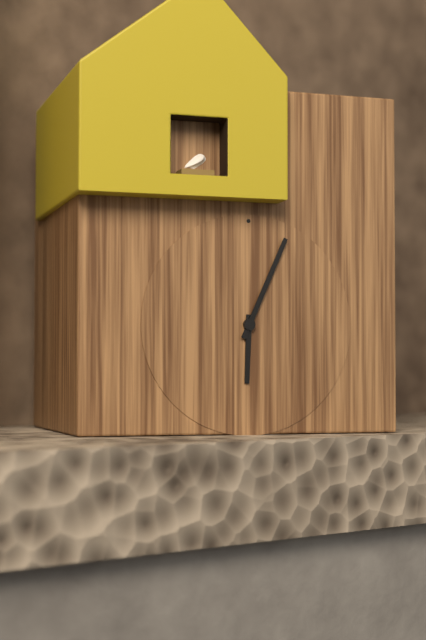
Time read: 6:04
